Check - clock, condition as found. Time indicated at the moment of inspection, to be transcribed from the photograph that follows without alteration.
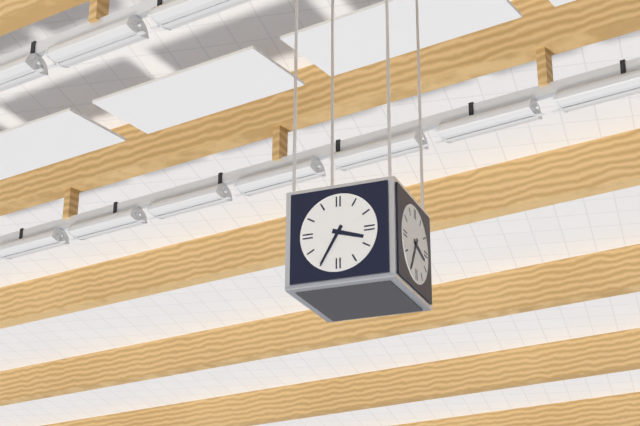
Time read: 3:35
